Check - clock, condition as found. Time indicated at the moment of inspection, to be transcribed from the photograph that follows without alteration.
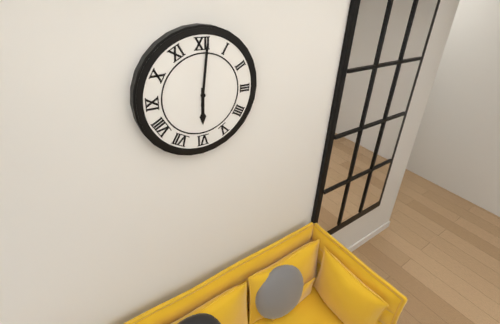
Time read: 6:01
